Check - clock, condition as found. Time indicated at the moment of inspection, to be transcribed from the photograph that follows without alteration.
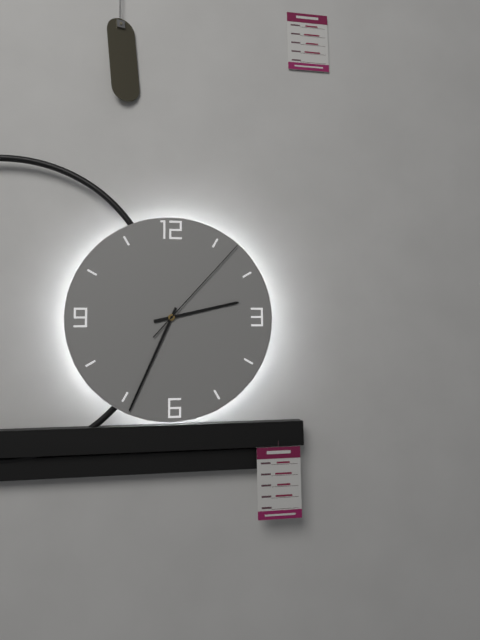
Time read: 2:34:07
